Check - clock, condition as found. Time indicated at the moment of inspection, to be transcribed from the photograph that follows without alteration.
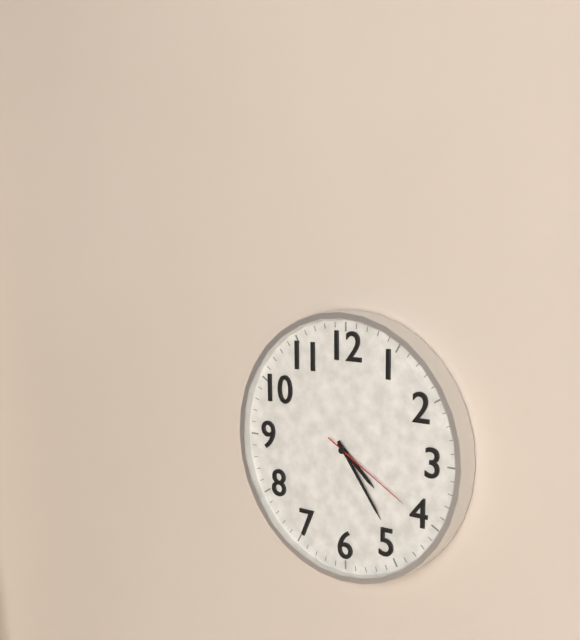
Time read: 4:24:20
